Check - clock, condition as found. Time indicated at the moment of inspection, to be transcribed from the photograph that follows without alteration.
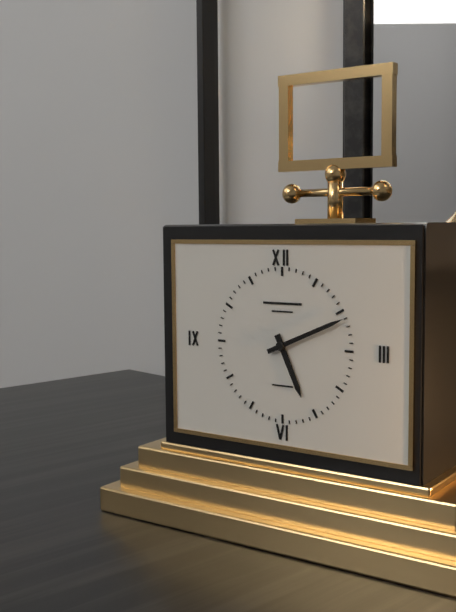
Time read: 5:11
